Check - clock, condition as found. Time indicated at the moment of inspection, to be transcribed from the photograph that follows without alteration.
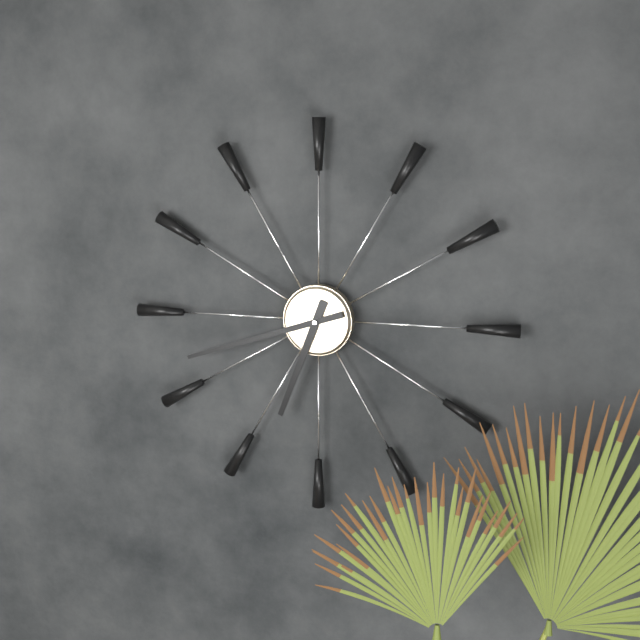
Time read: 6:42
